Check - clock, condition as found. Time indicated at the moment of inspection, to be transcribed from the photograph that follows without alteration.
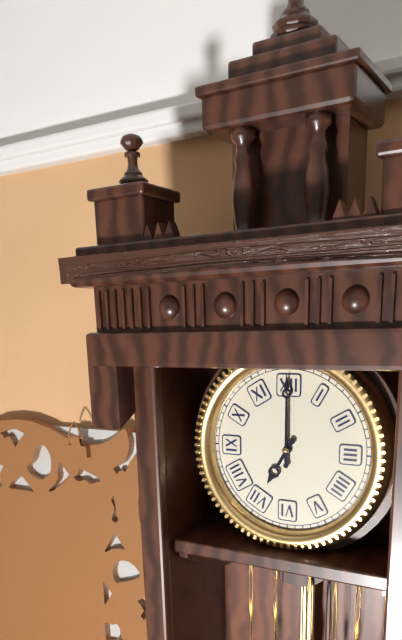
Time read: 7:00
